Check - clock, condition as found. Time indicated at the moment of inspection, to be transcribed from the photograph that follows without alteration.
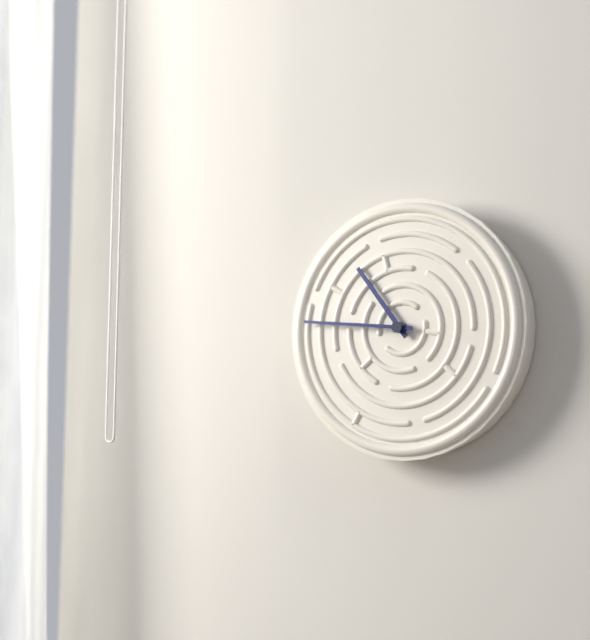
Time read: 10:46
